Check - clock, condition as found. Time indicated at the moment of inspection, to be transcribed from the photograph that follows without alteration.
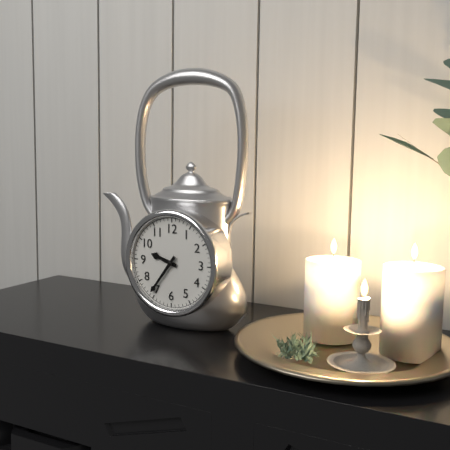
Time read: 9:36
